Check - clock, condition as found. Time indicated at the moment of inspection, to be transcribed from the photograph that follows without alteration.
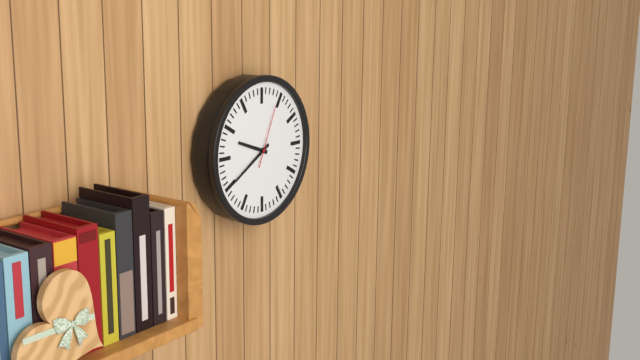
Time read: 9:40:04
